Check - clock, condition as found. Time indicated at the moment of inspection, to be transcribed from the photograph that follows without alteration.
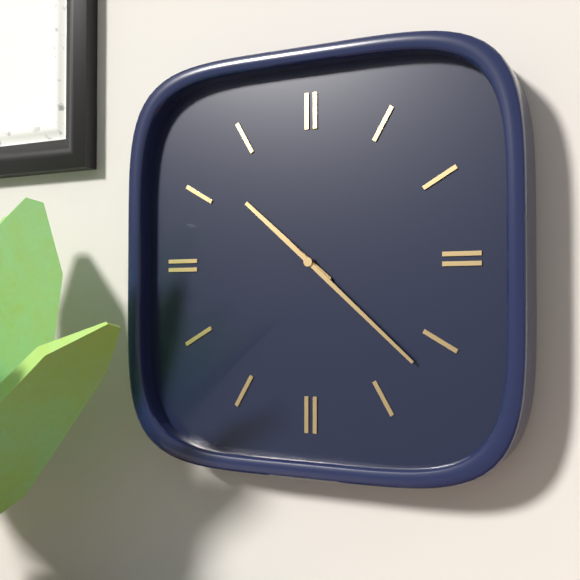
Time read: 10:22
